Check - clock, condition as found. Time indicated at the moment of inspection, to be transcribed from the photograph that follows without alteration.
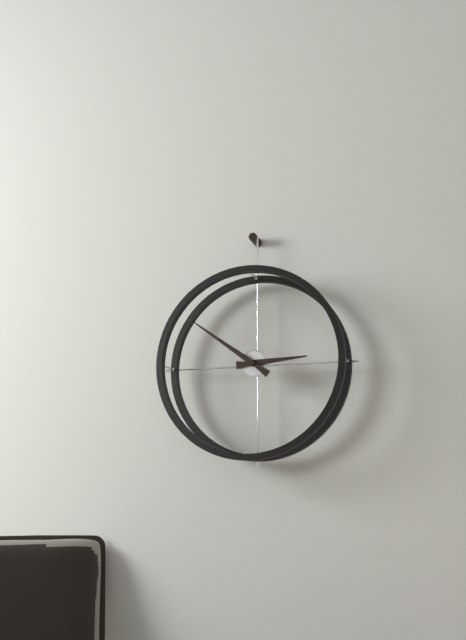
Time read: 2:51
